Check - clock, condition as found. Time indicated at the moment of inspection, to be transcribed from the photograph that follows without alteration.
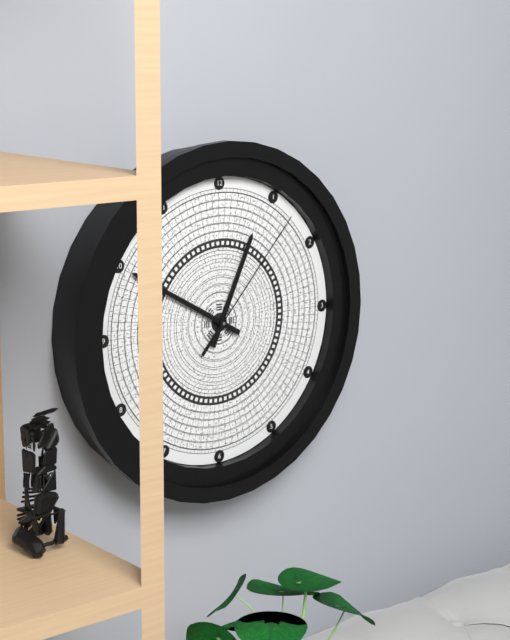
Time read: 12:50:07
